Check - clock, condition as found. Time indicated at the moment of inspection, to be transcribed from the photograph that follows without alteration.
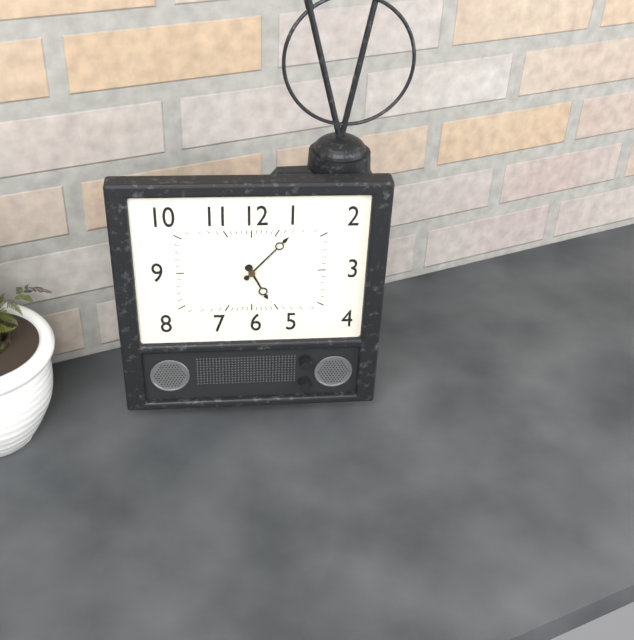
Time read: 5:07
